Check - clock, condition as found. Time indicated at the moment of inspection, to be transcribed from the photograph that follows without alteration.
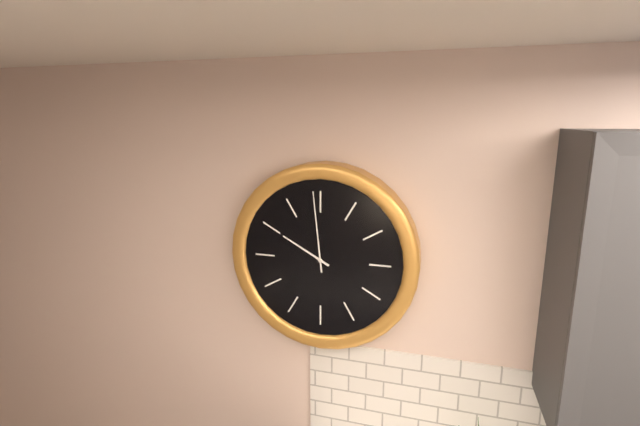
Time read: 9:59
